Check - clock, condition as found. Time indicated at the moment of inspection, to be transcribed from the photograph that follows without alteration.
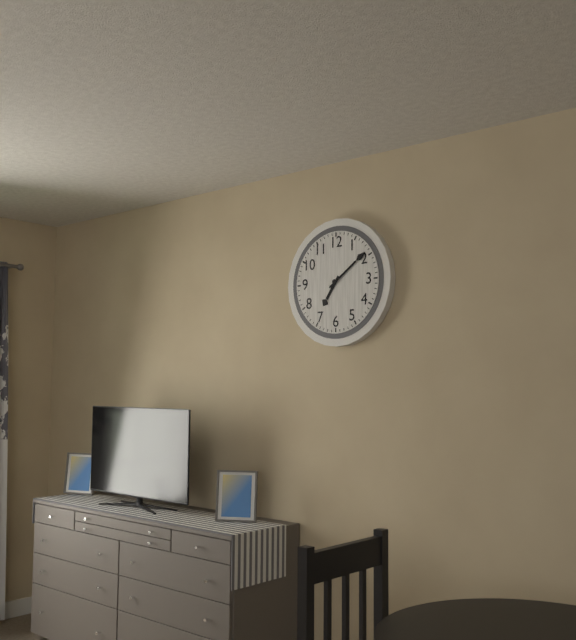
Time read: 7:09
